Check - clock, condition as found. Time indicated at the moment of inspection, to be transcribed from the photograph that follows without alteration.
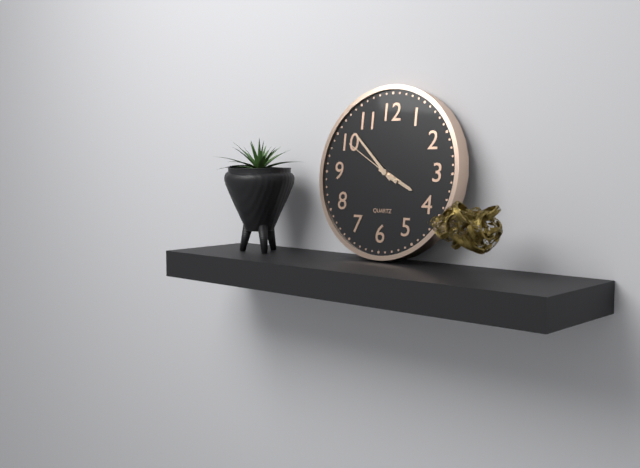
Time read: 3:52:50
